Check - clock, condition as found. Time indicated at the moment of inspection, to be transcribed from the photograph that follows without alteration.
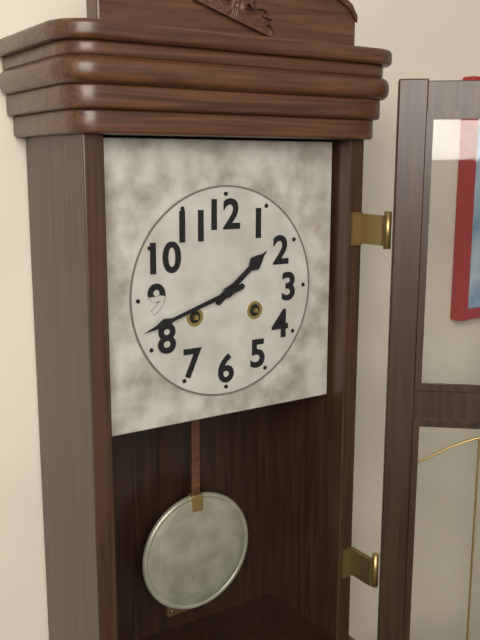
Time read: 1:42
